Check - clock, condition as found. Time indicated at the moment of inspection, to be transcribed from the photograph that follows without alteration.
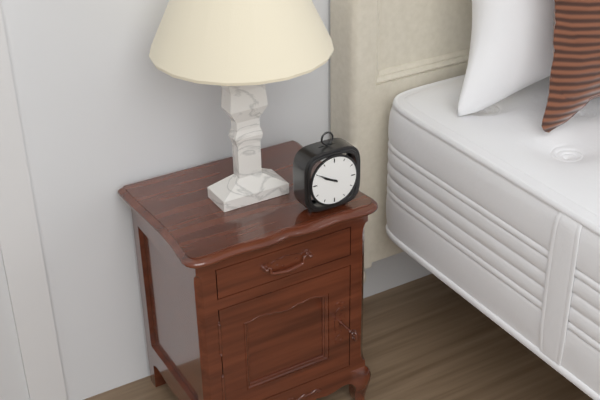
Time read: 9:50
